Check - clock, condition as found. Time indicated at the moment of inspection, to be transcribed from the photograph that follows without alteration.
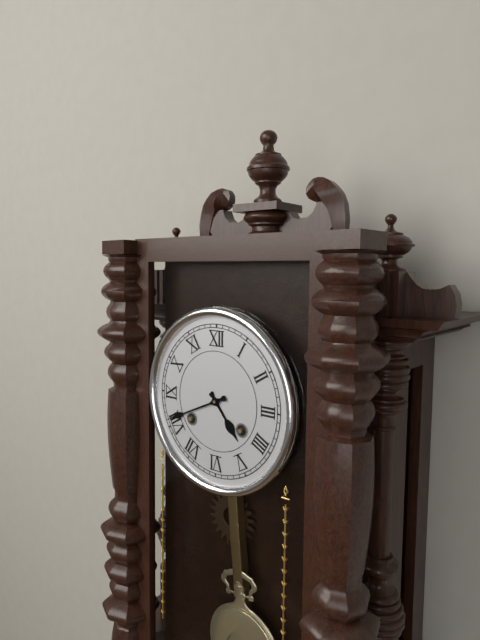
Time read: 4:41
